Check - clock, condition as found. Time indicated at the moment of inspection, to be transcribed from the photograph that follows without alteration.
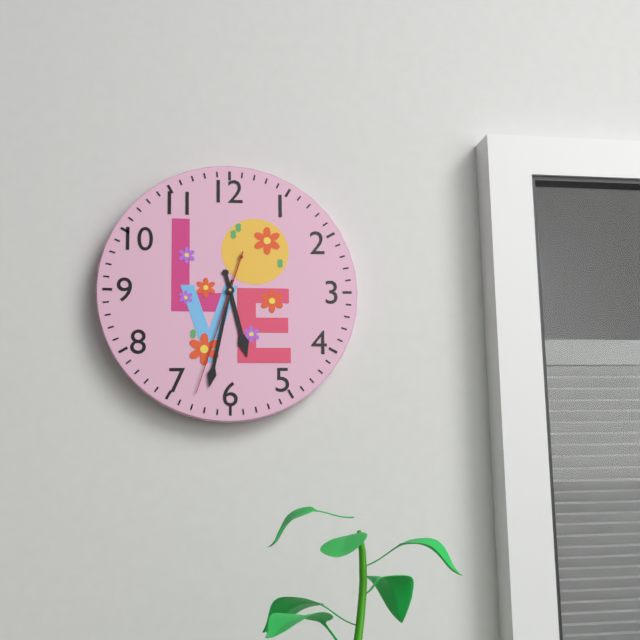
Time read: 5:32:33
